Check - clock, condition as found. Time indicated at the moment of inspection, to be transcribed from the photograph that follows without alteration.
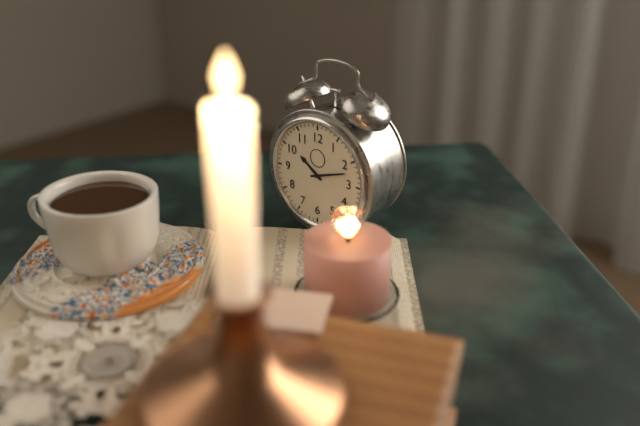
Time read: 10:12
